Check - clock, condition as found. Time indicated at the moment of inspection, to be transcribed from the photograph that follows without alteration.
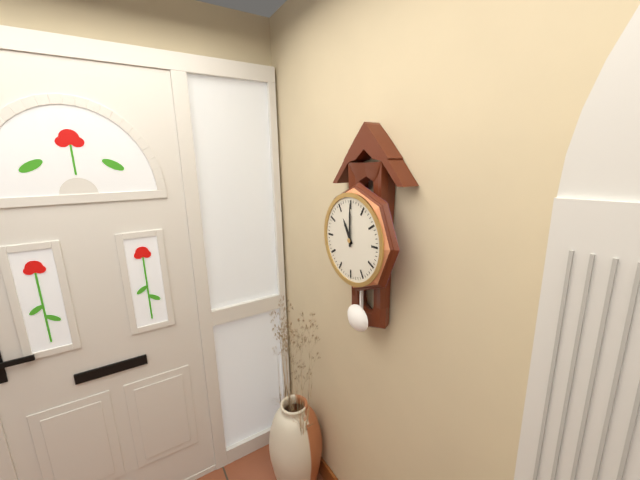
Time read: 11:00
